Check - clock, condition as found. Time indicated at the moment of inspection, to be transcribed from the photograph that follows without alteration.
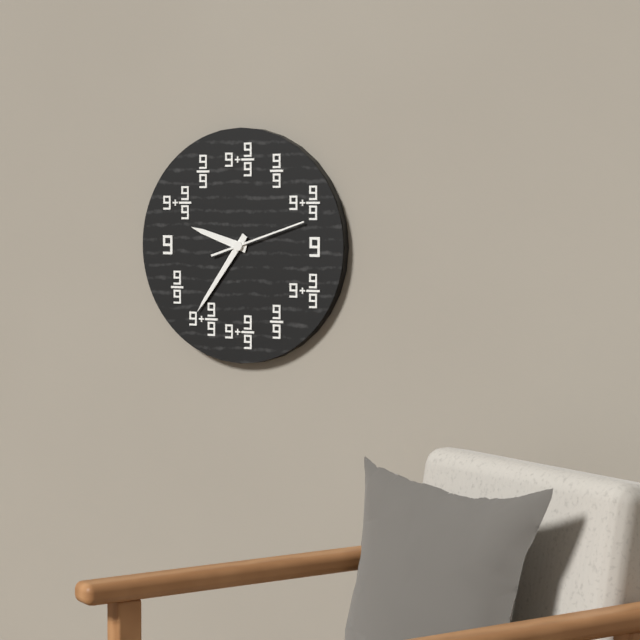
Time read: 9:36:12
